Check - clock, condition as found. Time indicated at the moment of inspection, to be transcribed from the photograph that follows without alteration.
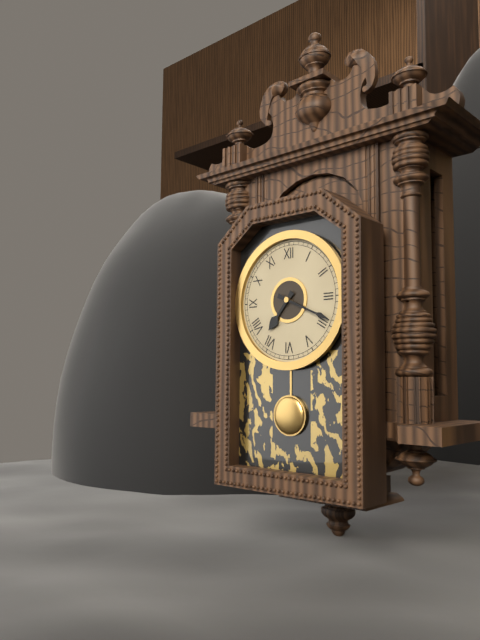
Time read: 7:19
